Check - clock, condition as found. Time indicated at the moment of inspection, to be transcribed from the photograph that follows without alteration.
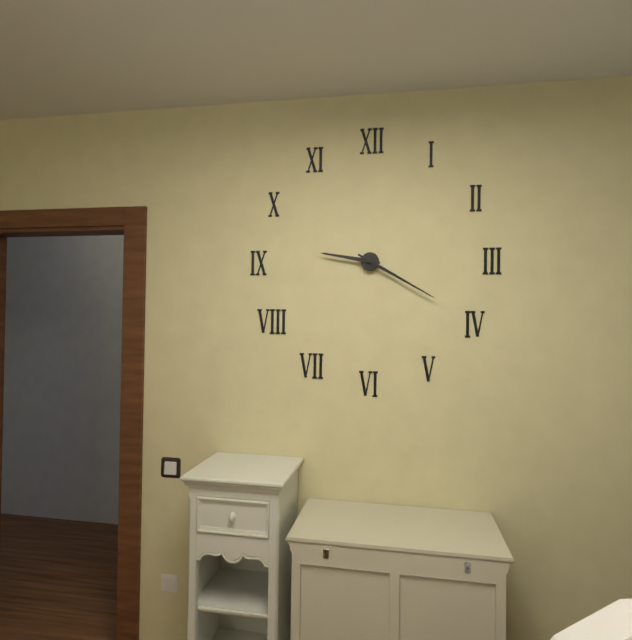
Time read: 9:20
